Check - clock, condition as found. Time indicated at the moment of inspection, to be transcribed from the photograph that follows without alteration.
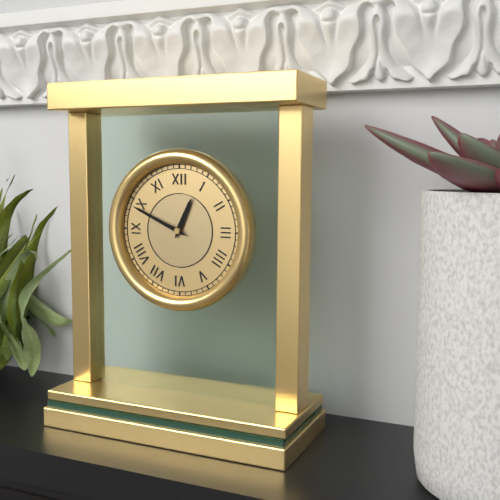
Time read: 12:49
